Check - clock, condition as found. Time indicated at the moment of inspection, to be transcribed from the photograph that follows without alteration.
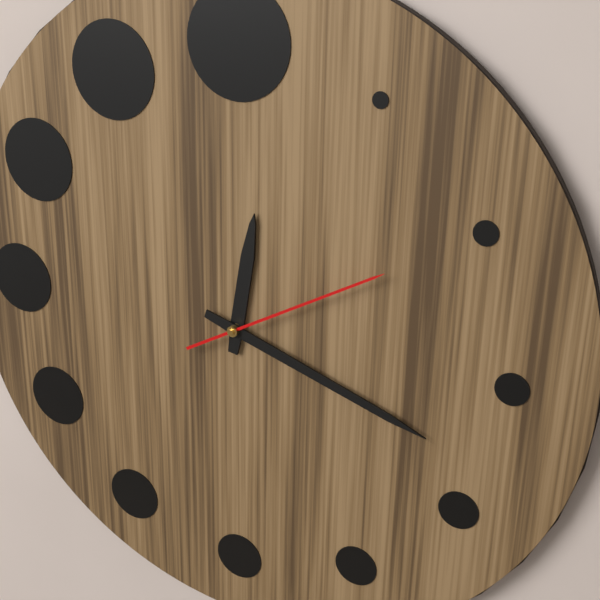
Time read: 12:18:10
